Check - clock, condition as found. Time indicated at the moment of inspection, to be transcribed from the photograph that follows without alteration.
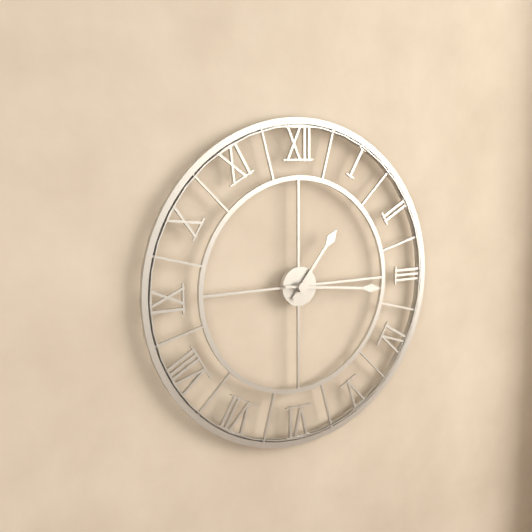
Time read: 1:16
